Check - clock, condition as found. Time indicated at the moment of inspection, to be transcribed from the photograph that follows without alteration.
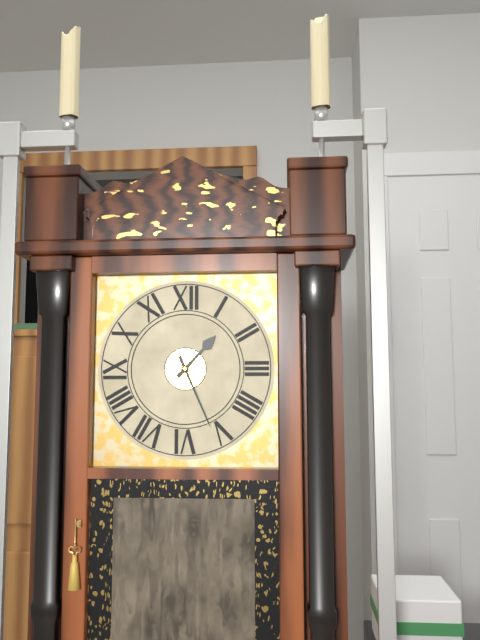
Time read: 1:26
